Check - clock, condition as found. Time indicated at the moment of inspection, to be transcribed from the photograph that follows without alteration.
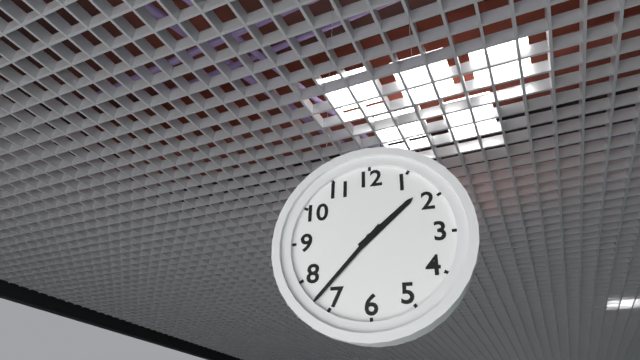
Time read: 1:37
